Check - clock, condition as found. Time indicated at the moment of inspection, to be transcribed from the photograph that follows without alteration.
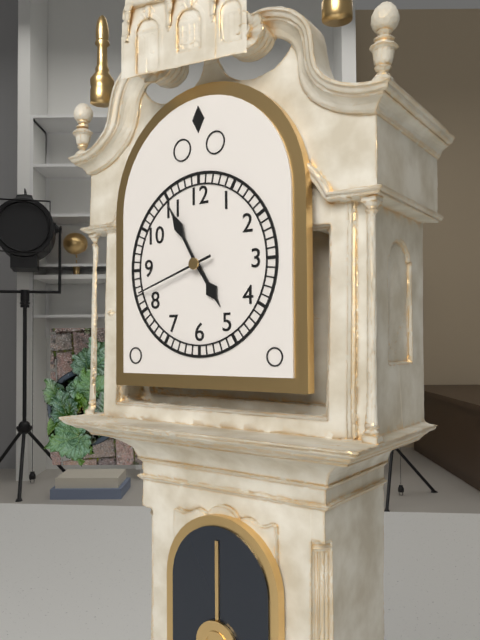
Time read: 4:55:42
